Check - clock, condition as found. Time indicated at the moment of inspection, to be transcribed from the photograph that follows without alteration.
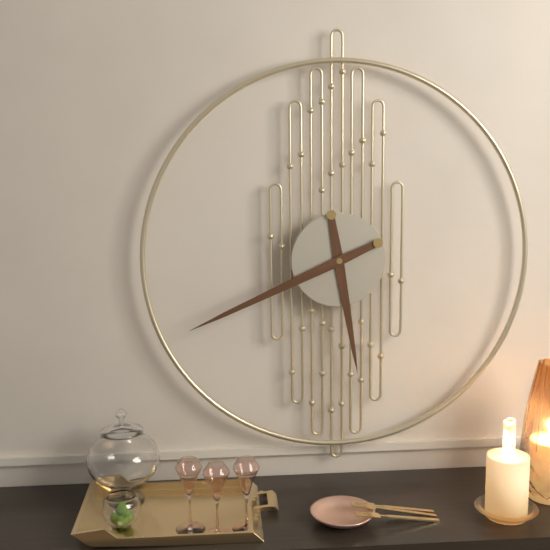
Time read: 5:41
